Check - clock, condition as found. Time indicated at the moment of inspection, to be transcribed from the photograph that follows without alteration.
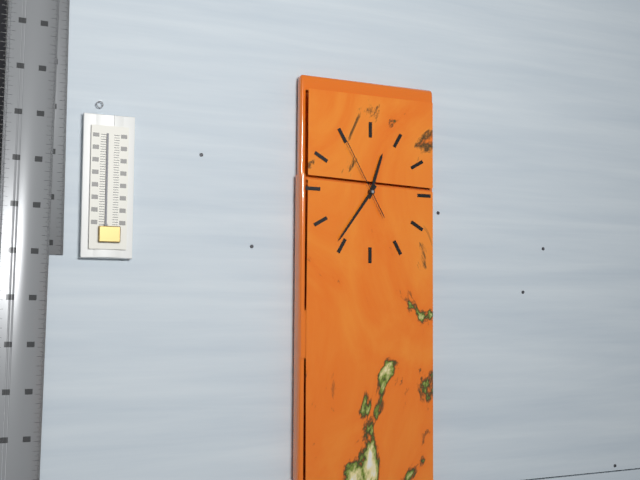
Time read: 12:36:55
